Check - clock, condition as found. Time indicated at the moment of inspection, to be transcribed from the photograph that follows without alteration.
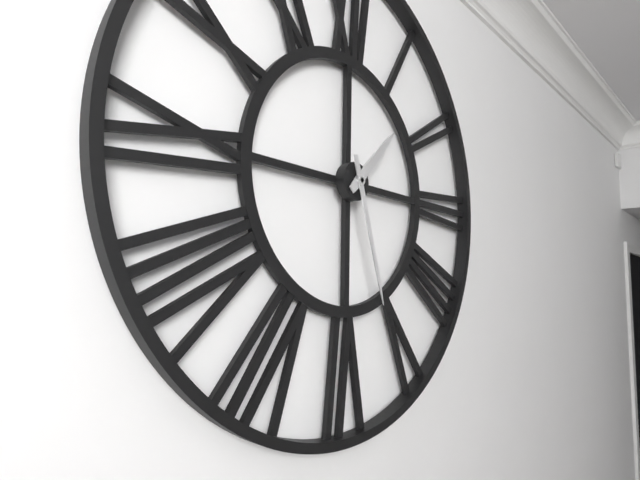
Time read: 1:27
